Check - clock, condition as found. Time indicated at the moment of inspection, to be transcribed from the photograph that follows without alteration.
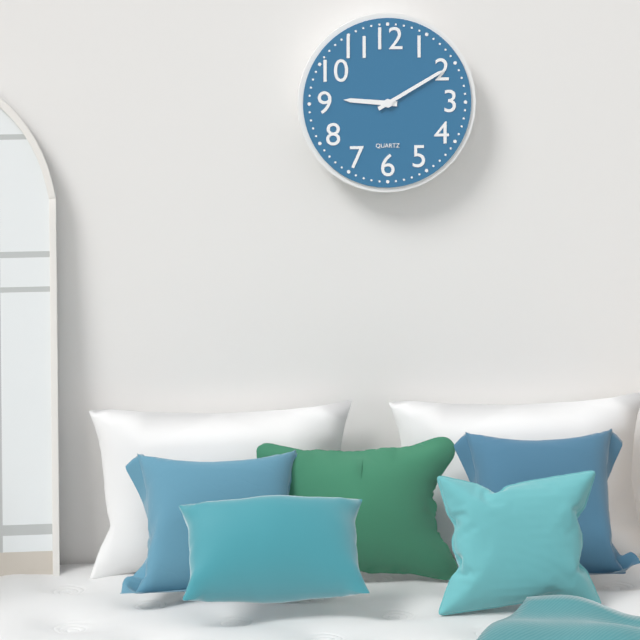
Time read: 9:10
